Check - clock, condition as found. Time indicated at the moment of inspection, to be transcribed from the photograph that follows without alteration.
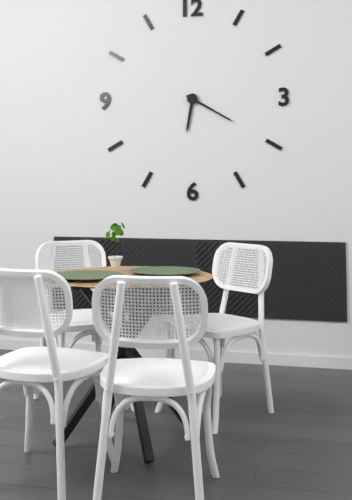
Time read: 6:20
